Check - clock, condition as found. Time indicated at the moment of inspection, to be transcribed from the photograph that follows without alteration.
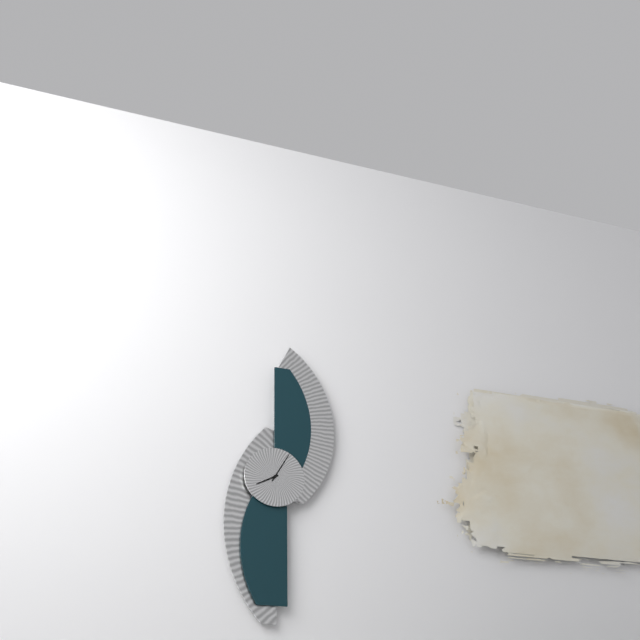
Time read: 8:05
